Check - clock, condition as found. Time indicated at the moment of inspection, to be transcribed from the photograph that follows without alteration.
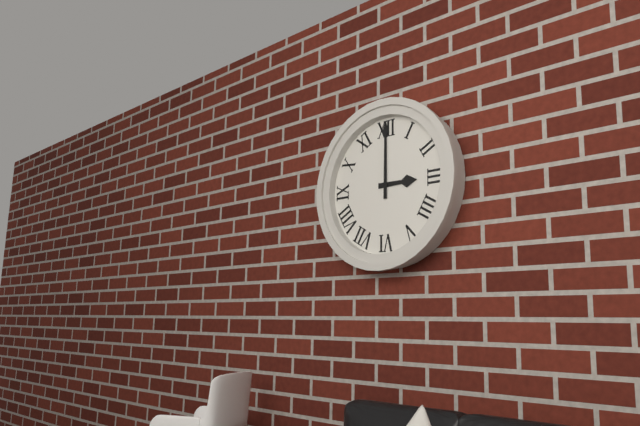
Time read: 3:00
